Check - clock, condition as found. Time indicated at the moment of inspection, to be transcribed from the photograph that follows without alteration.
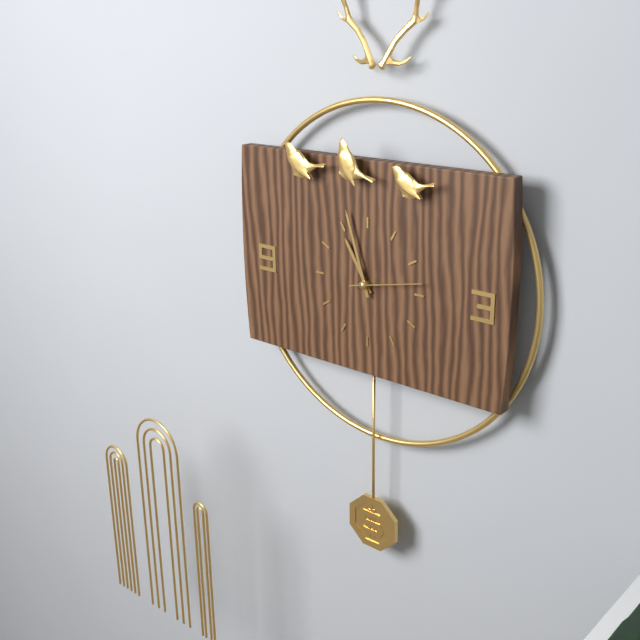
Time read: 10:57:13
